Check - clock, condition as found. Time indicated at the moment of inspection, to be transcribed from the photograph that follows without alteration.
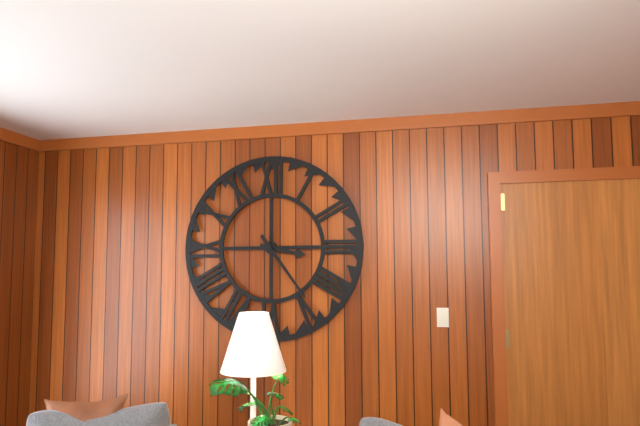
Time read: 3:24
